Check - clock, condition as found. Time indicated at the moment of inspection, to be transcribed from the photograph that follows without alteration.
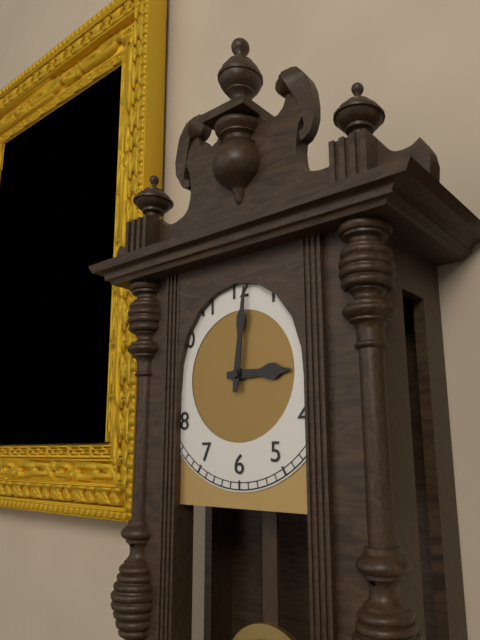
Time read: 3:01
